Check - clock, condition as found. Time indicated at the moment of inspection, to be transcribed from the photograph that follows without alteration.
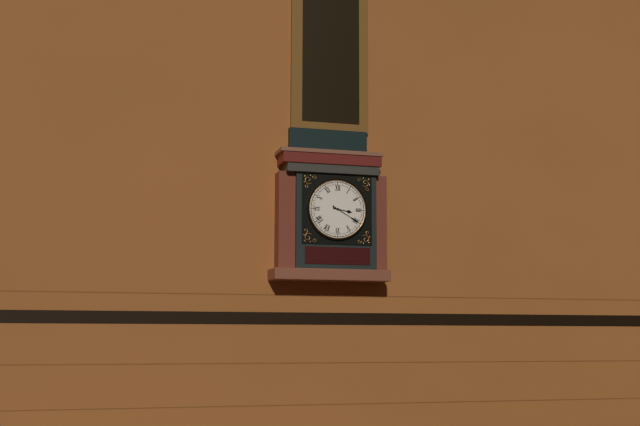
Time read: 3:20
